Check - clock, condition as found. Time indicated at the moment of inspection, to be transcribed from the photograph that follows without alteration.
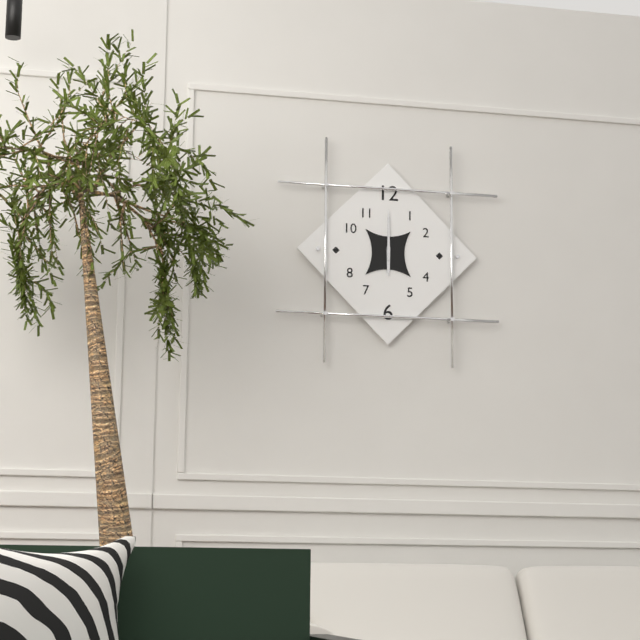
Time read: 6:00
